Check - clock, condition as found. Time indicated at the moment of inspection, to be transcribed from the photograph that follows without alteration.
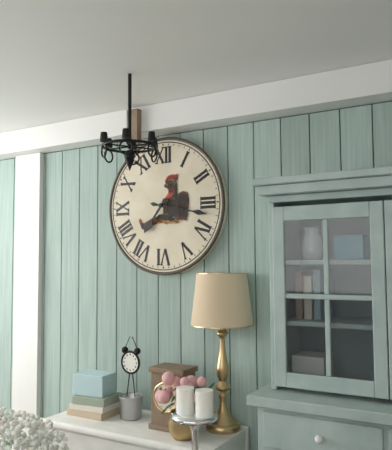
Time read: 7:17
